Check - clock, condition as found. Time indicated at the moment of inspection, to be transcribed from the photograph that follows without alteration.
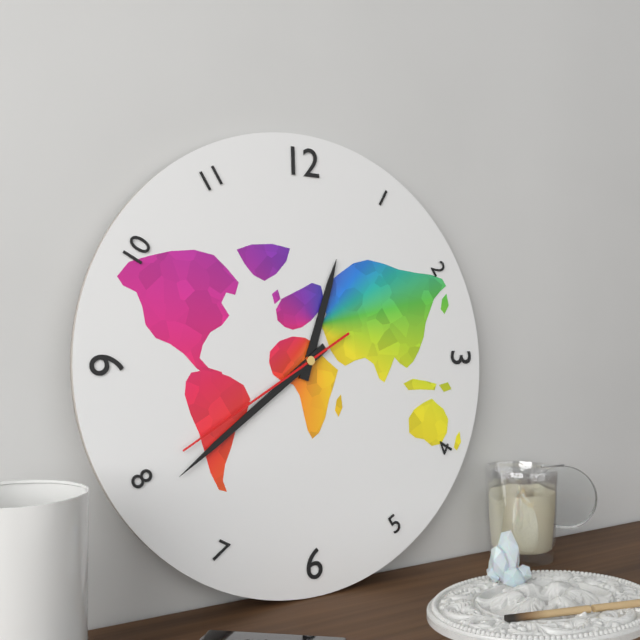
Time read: 12:39:40
